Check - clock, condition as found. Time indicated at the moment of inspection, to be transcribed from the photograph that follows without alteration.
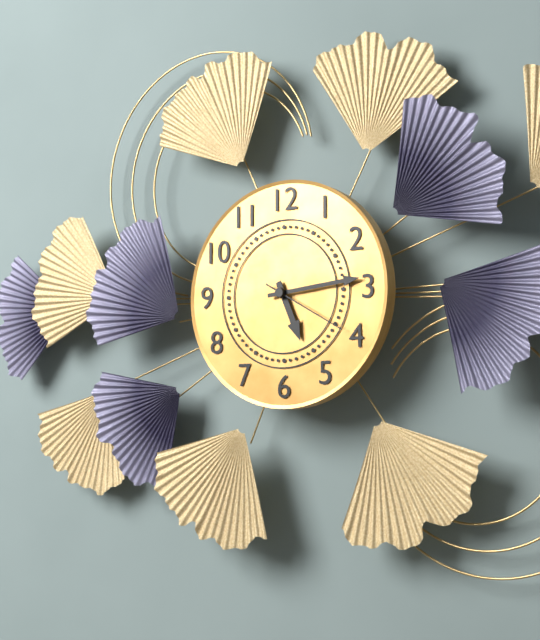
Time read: 5:14:20
